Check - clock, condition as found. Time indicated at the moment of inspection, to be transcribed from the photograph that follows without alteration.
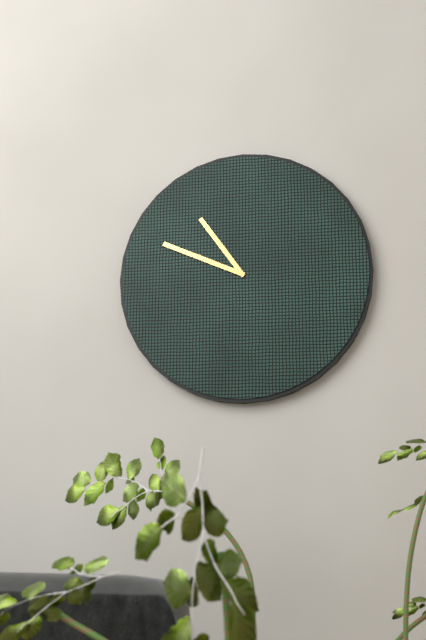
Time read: 10:49
